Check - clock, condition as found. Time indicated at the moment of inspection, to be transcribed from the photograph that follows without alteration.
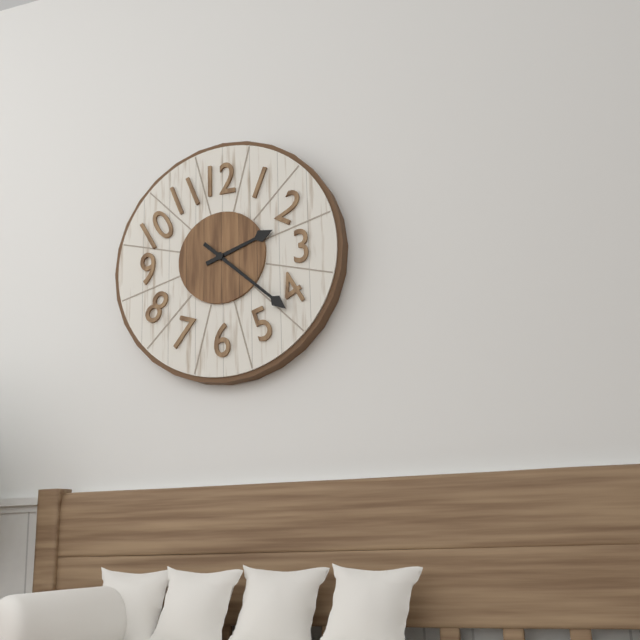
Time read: 2:22
